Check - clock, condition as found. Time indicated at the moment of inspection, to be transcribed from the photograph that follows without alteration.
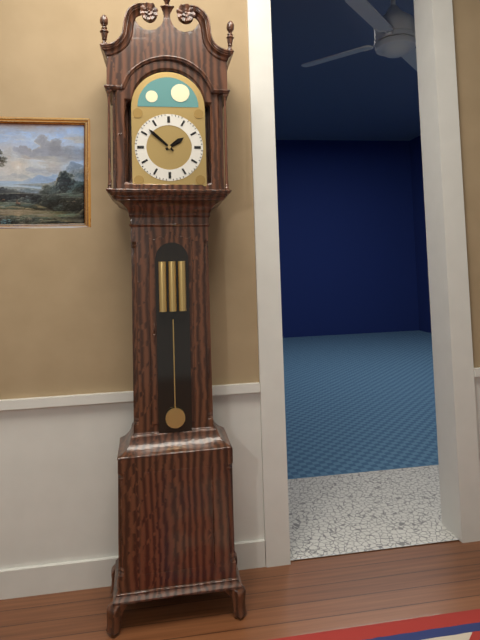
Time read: 1:52
